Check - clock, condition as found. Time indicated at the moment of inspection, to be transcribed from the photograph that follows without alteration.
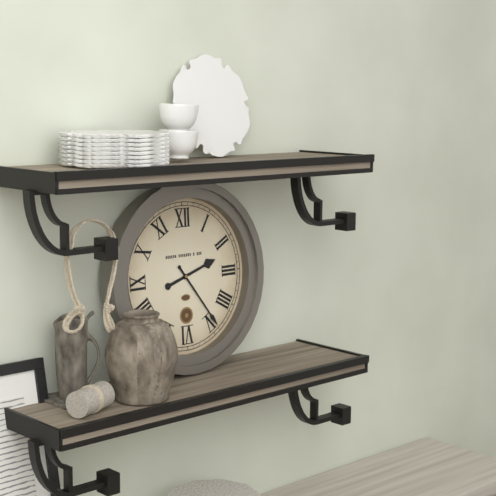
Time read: 2:24
